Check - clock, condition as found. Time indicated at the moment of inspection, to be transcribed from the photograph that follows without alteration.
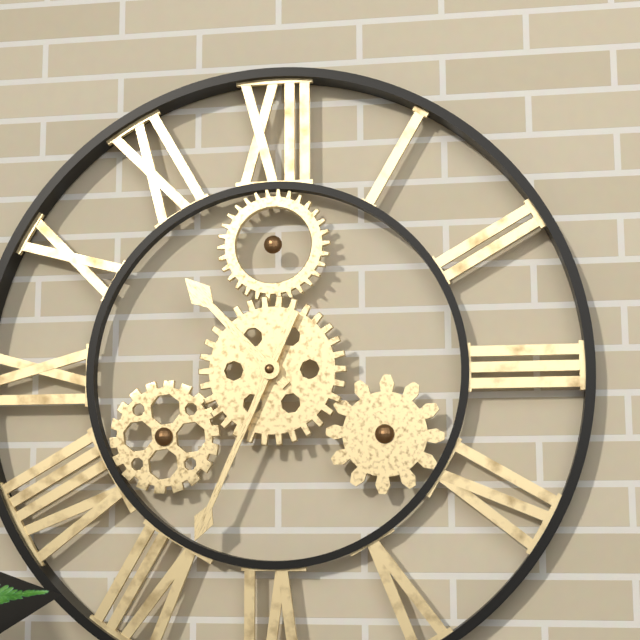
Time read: 10:34
